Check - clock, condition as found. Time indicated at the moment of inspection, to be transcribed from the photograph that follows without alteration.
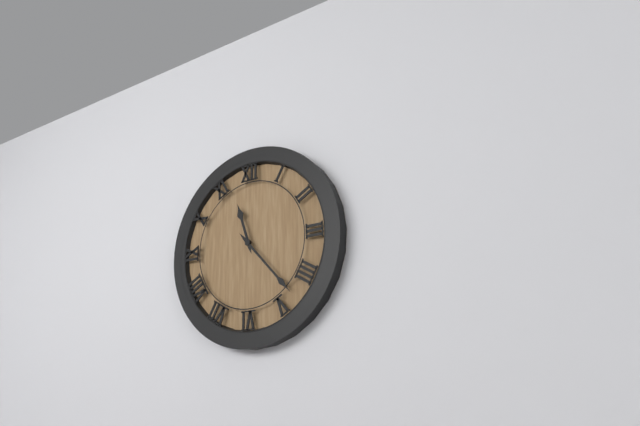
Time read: 11:23
